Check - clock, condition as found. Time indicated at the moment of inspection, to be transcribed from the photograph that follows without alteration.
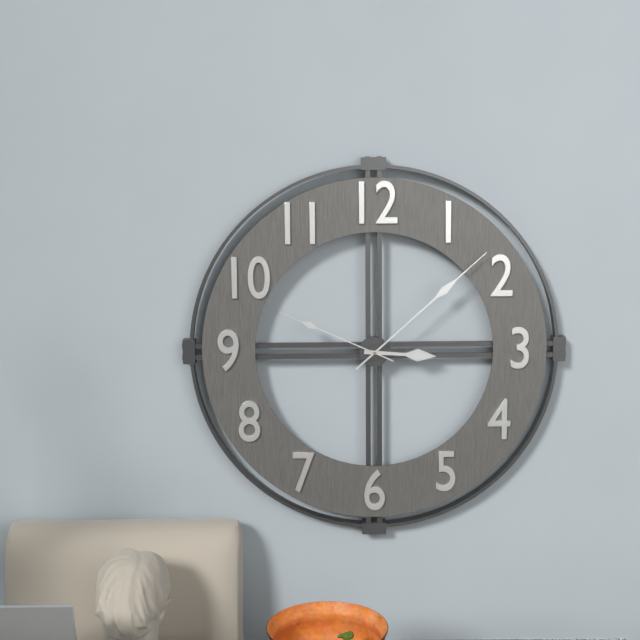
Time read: 3:08:49
